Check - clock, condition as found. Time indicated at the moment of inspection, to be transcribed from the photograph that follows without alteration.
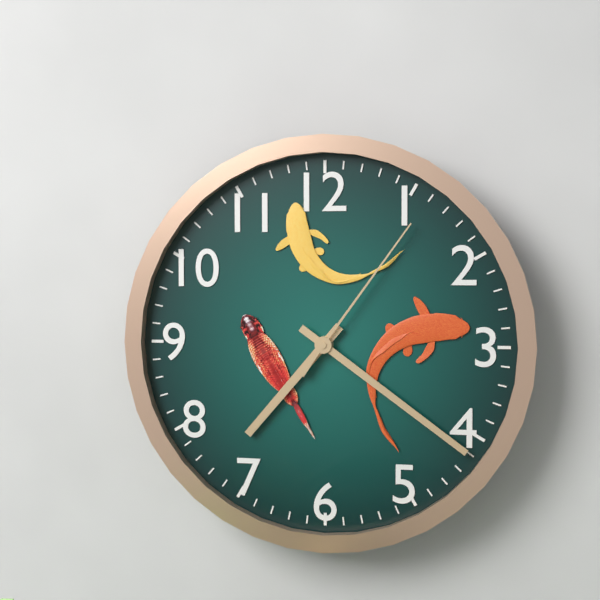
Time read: 7:21:06
